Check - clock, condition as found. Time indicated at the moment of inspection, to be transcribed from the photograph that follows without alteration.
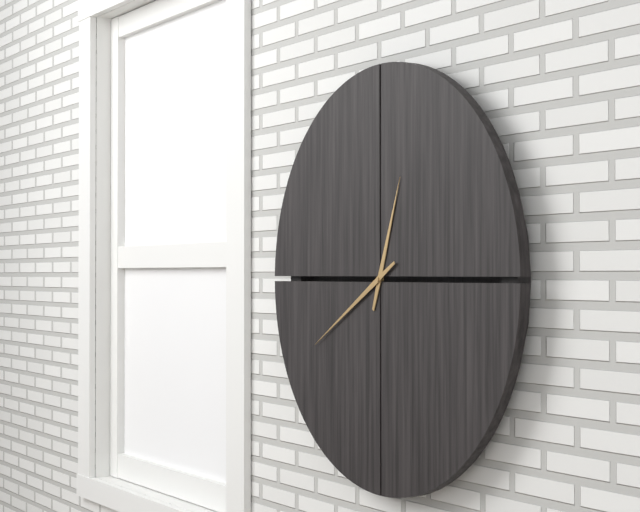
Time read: 12:40
